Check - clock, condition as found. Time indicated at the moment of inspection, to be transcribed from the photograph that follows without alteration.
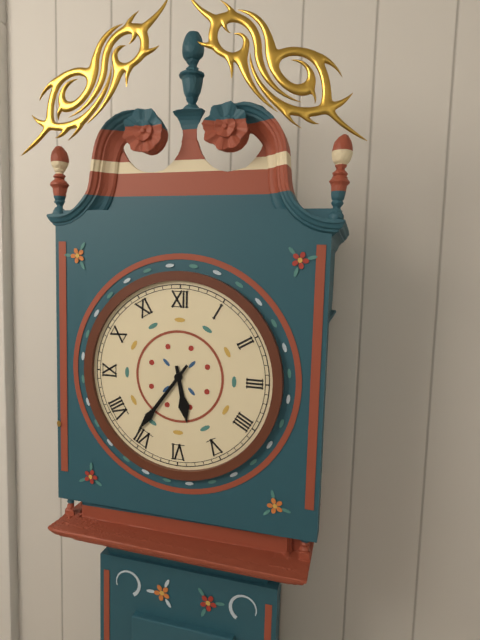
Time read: 5:36
